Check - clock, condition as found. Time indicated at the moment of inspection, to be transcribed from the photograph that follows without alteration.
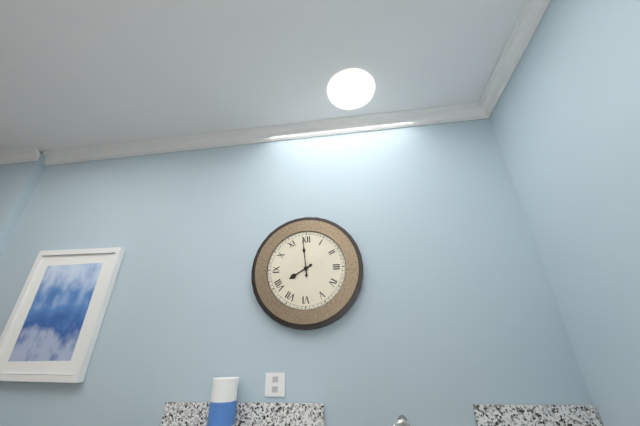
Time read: 7:59
